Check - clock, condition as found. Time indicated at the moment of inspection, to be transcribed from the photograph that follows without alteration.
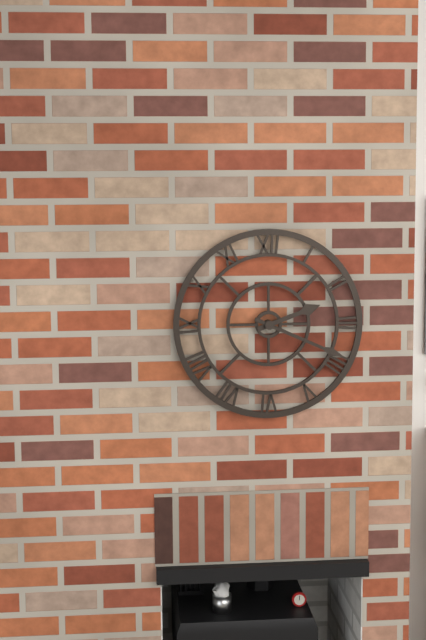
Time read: 2:19
